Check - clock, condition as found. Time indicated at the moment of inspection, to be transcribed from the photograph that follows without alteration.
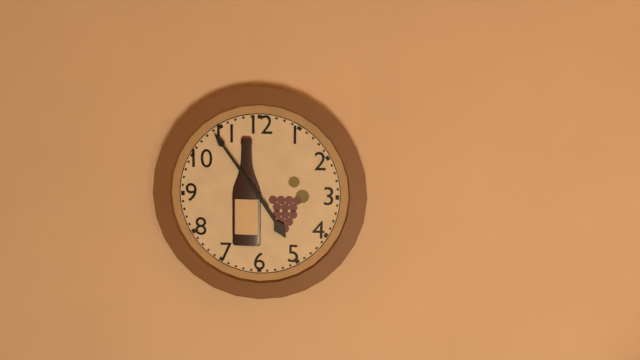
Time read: 4:54
